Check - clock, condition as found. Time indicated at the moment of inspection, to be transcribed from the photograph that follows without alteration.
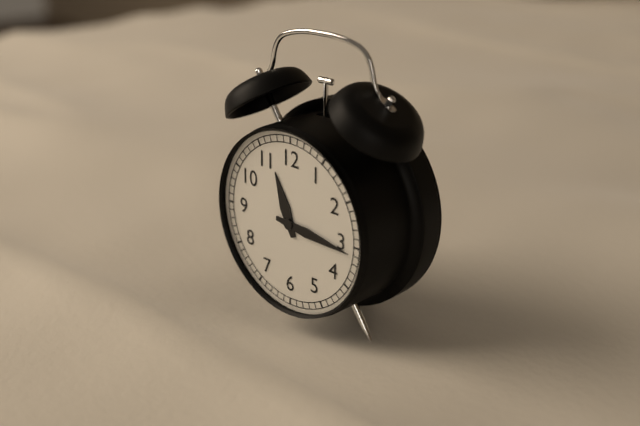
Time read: 11:16
